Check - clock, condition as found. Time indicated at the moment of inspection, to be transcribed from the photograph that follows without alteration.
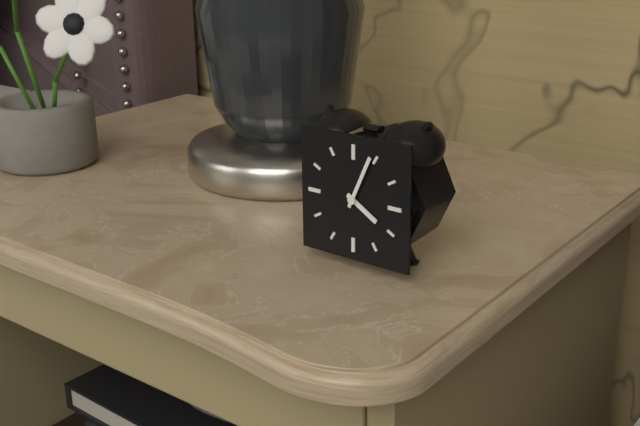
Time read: 4:04
